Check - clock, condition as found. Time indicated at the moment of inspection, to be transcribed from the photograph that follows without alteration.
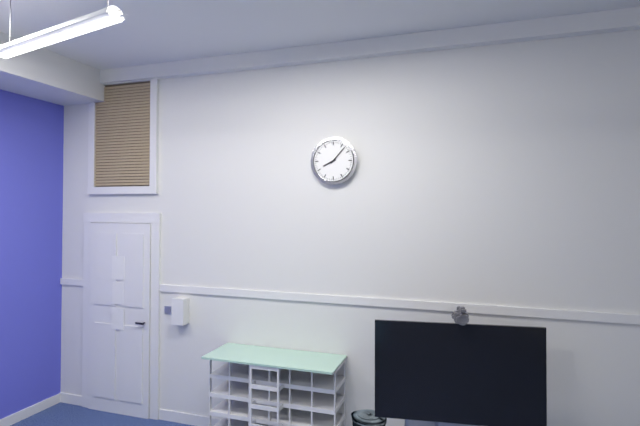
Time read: 8:07
